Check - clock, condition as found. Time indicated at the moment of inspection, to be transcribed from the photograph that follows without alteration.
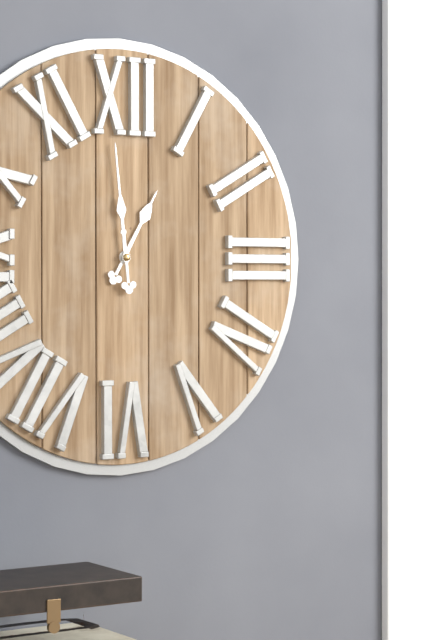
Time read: 12:59
